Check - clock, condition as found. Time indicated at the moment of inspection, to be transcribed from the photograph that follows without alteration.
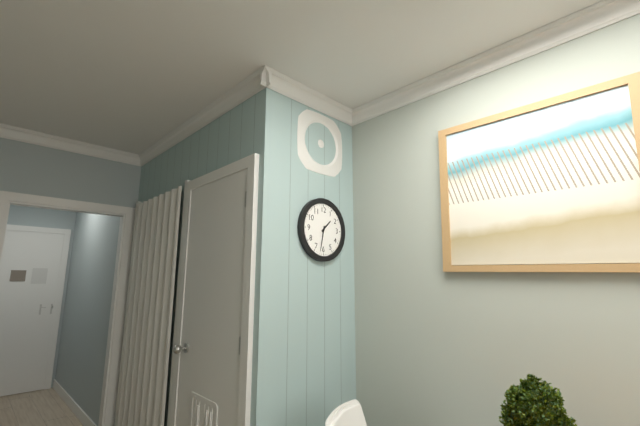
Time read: 1:32
